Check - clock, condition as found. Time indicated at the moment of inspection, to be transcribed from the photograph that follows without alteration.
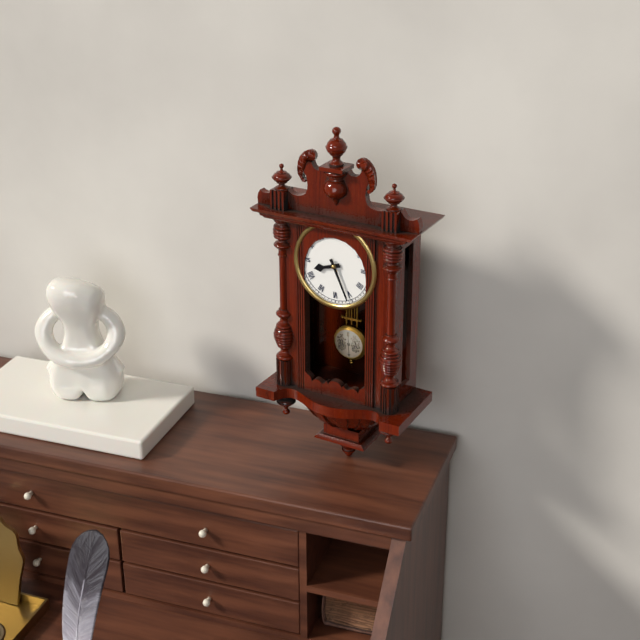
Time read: 8:26
